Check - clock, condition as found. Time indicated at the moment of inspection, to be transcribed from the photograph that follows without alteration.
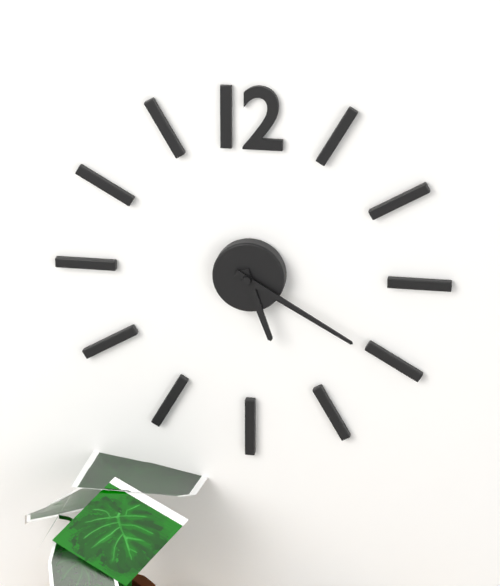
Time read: 5:20
